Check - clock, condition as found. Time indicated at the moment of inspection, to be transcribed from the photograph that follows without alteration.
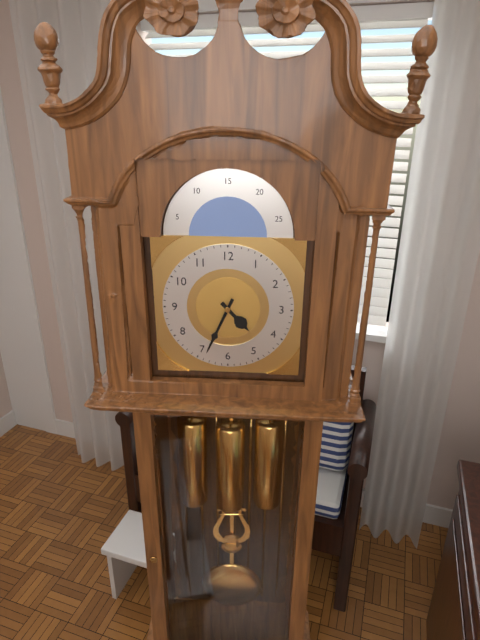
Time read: 4:34
